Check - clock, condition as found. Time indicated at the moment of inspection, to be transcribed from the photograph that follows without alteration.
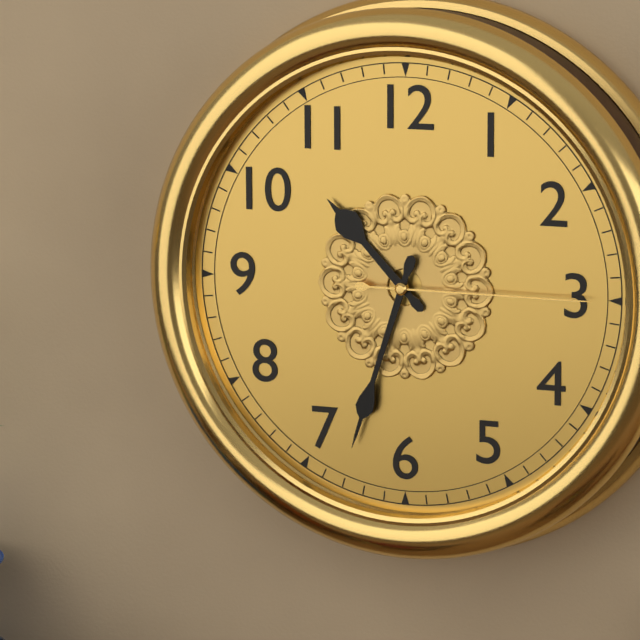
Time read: 10:33:15
